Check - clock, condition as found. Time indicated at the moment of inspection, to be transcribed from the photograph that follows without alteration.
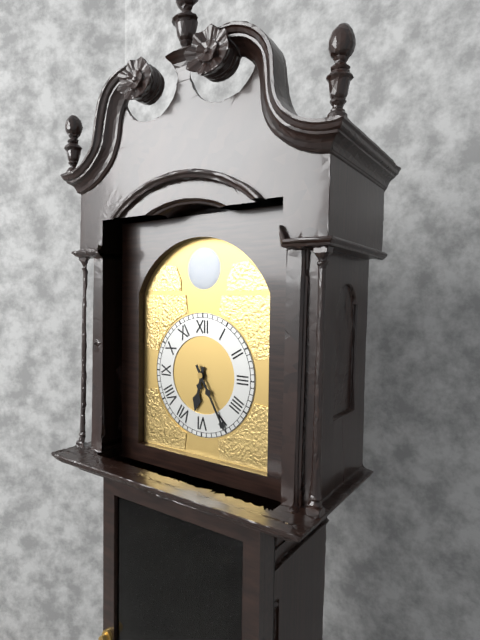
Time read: 6:25
